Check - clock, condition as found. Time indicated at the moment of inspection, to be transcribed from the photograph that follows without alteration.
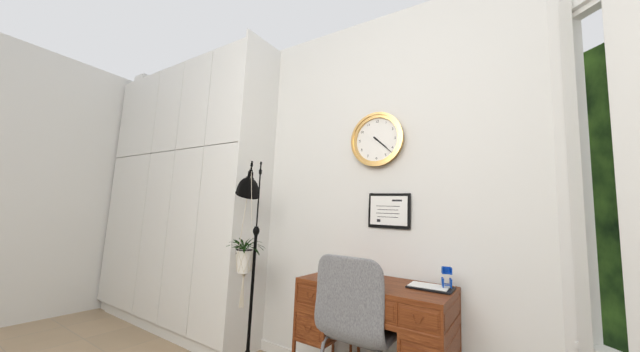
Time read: 4:22
